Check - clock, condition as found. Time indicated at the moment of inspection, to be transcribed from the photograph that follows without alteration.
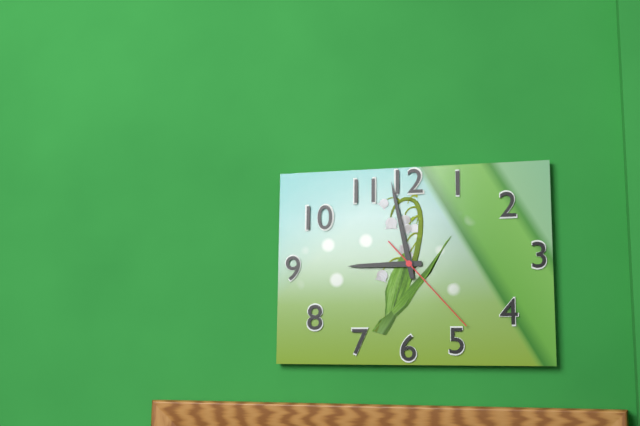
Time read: 8:58:23
